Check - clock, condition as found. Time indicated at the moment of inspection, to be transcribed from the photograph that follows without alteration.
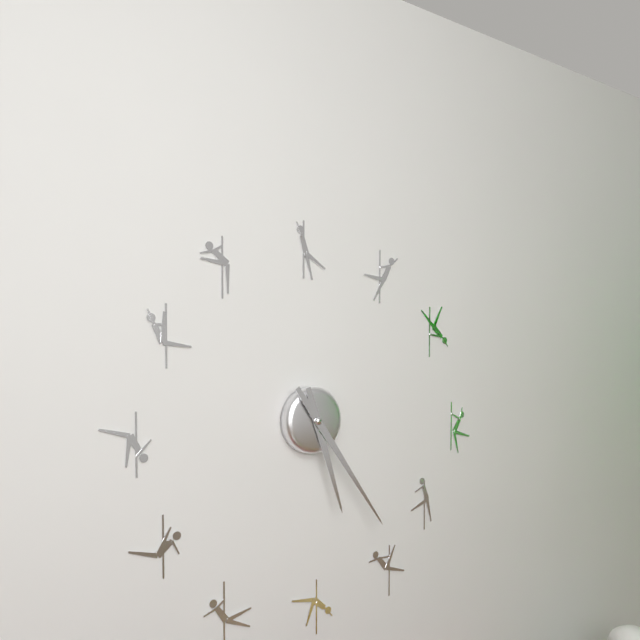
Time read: 5:24
